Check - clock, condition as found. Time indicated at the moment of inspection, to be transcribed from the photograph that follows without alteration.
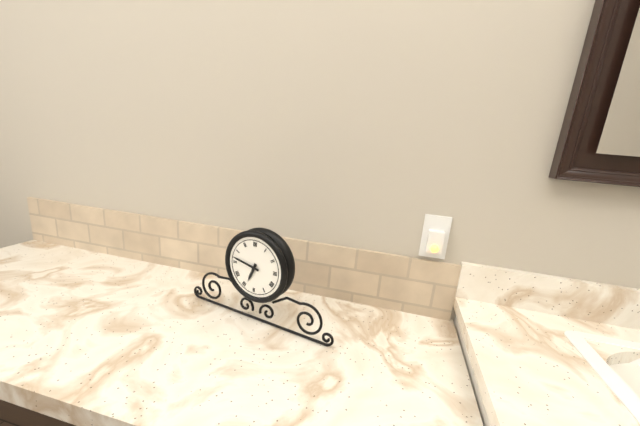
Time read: 6:47
